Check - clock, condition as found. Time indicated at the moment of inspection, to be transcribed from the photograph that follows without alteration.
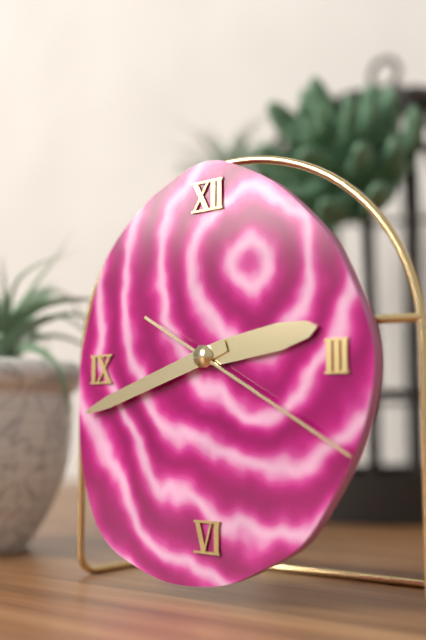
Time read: 2:42:20
